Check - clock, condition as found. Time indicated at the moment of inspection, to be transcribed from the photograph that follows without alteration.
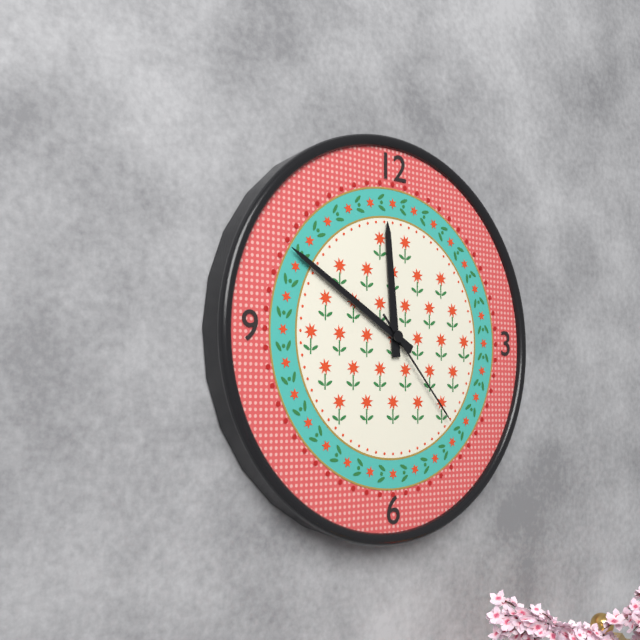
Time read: 11:50:23
